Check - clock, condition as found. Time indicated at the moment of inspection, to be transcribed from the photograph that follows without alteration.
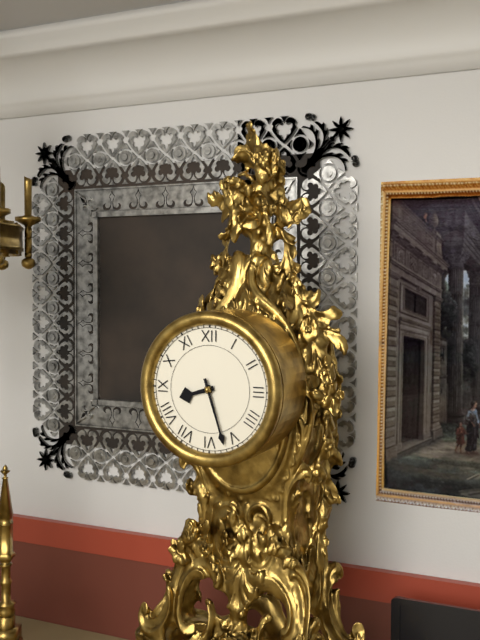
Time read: 8:27
